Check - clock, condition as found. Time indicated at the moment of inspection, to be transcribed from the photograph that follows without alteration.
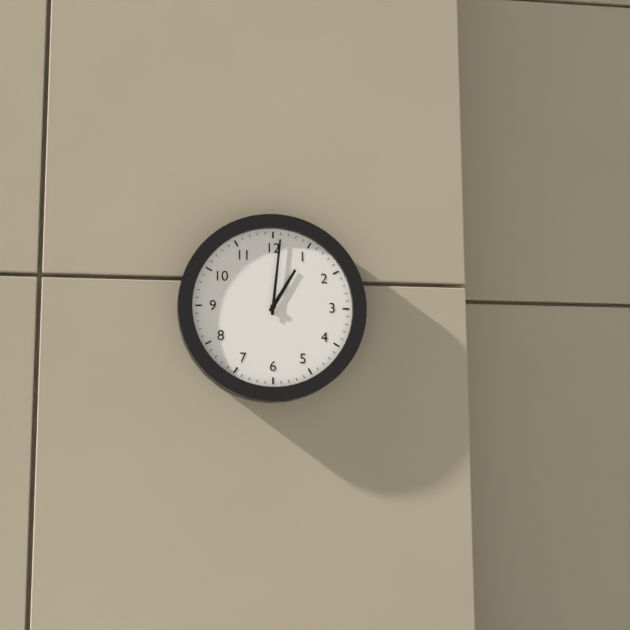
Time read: 1:01
